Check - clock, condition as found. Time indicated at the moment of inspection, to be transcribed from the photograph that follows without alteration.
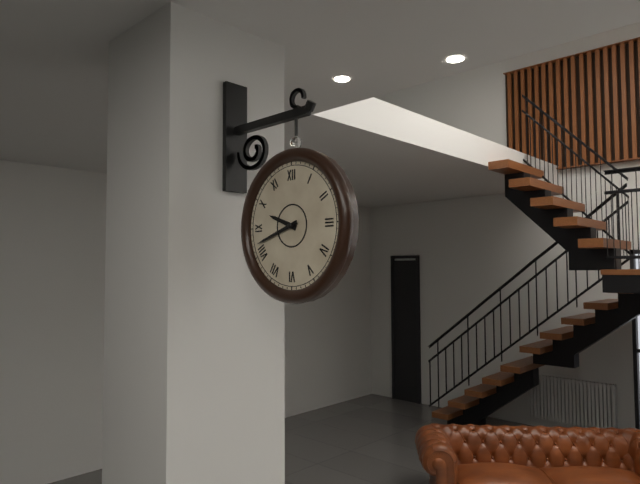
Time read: 9:42
